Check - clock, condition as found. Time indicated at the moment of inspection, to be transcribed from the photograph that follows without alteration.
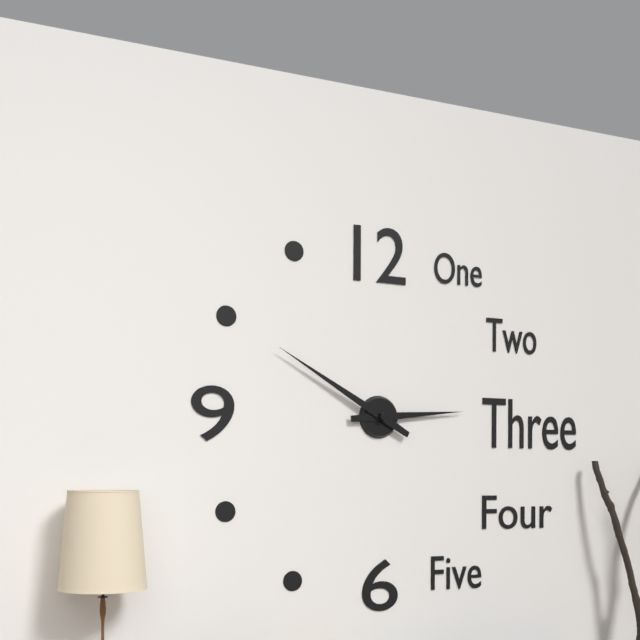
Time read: 2:50
